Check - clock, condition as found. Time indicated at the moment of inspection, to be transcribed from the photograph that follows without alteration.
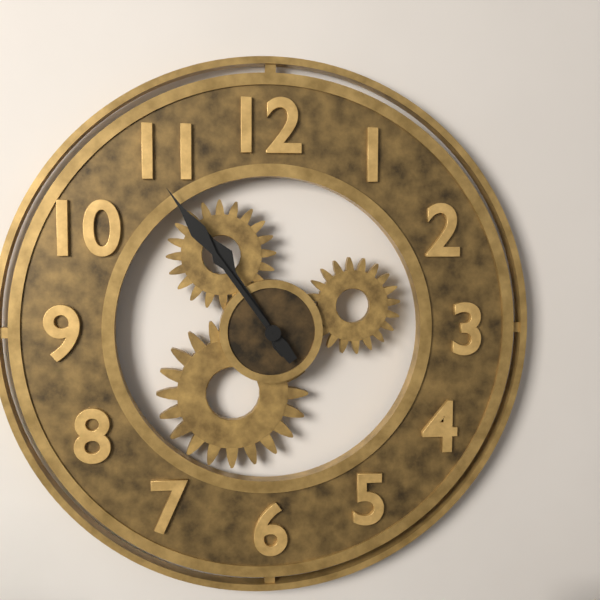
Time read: 10:54
